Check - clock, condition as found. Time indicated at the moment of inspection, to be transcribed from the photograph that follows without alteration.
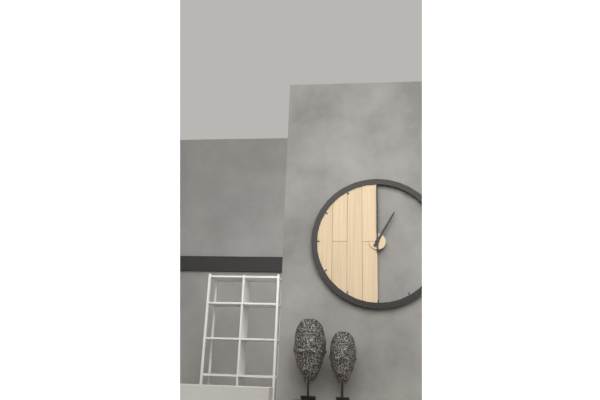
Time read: 1:00
